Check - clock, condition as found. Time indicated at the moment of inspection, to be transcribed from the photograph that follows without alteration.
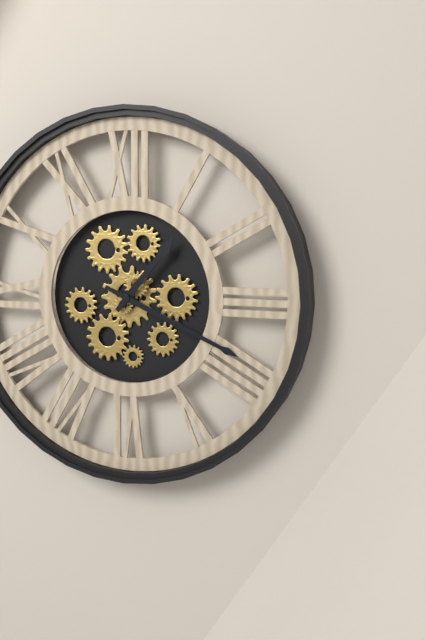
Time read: 1:19
